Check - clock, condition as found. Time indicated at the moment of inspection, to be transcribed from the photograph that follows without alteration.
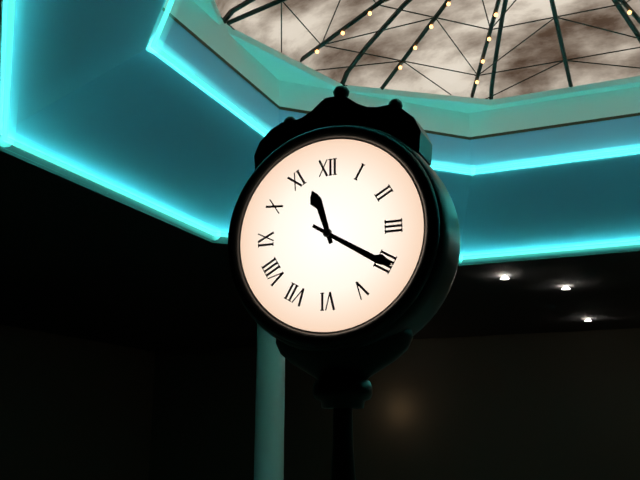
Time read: 11:20
